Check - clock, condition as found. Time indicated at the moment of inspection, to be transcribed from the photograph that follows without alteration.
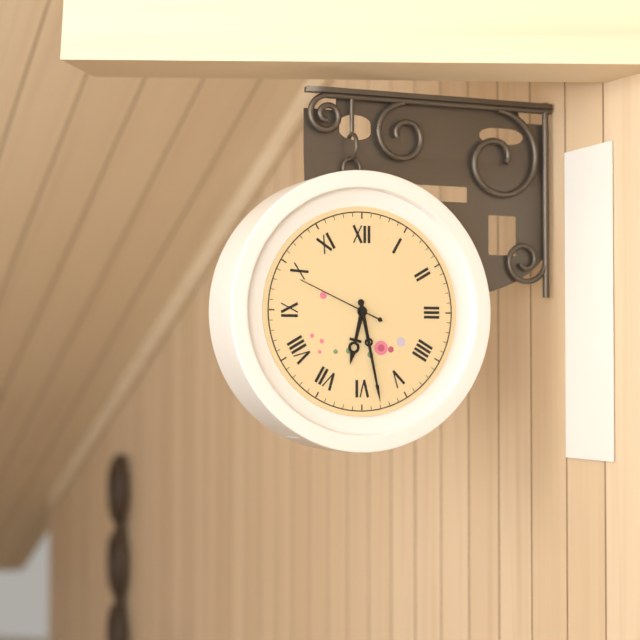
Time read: 6:28:49
